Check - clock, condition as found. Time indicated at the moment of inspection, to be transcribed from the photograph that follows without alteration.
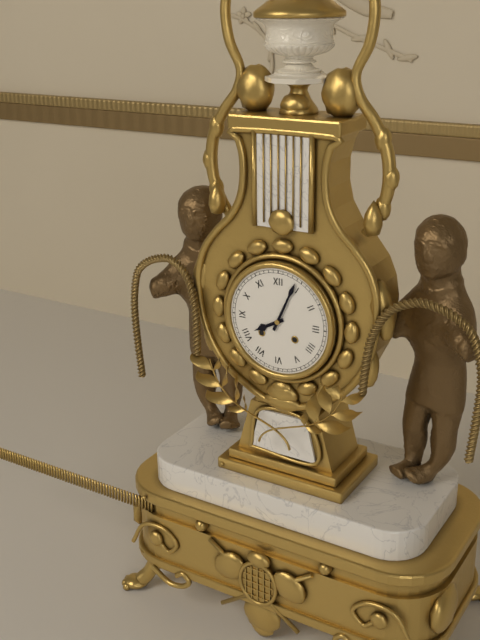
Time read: 8:04
